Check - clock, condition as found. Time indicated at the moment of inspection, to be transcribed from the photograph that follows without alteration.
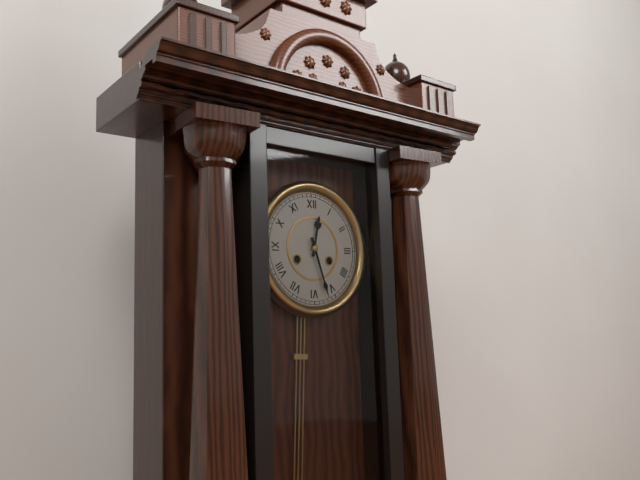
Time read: 12:27
